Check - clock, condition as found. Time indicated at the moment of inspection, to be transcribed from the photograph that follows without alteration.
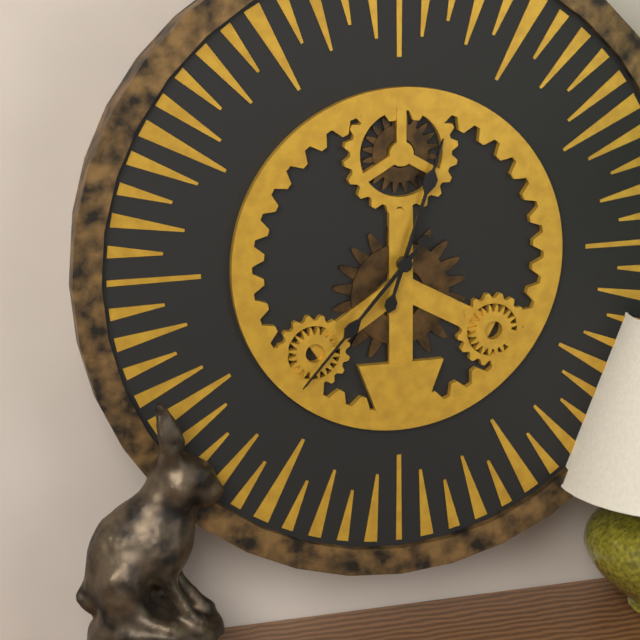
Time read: 12:37
